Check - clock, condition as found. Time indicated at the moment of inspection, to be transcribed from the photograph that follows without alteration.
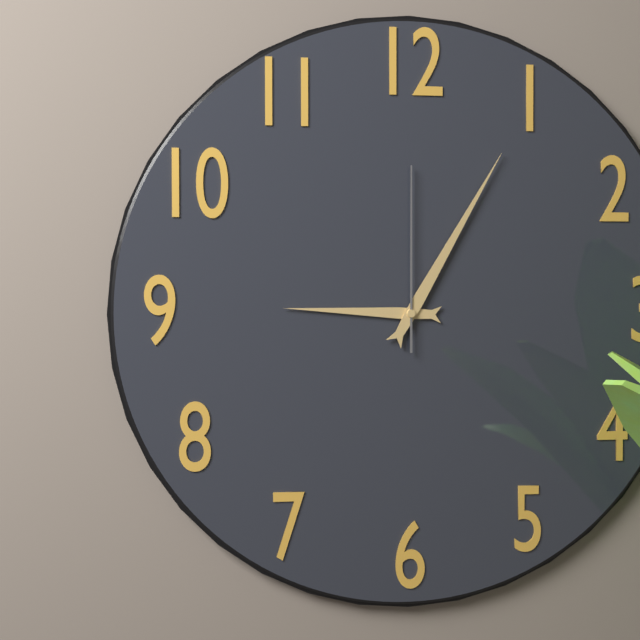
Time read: 9:05:00
